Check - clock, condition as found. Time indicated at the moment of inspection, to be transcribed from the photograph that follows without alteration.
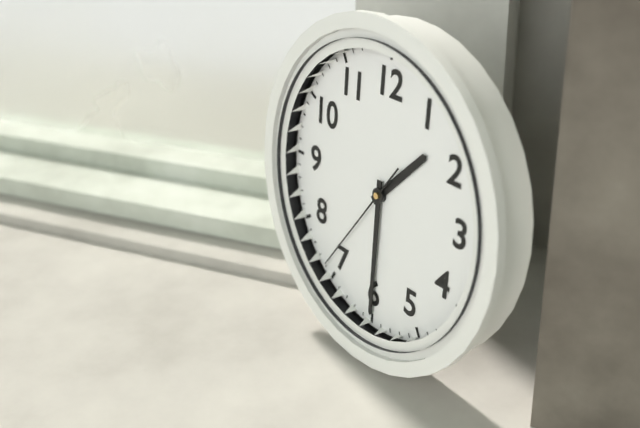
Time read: 1:30:36
